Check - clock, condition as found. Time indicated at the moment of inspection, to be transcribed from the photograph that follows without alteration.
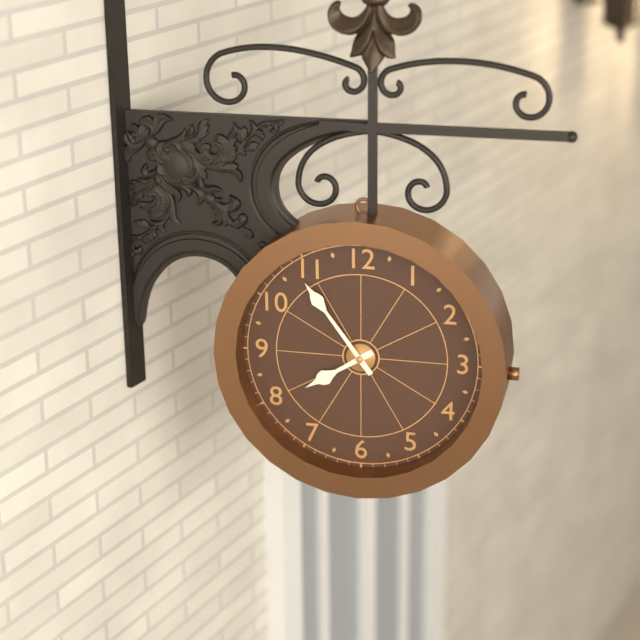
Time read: 7:54
